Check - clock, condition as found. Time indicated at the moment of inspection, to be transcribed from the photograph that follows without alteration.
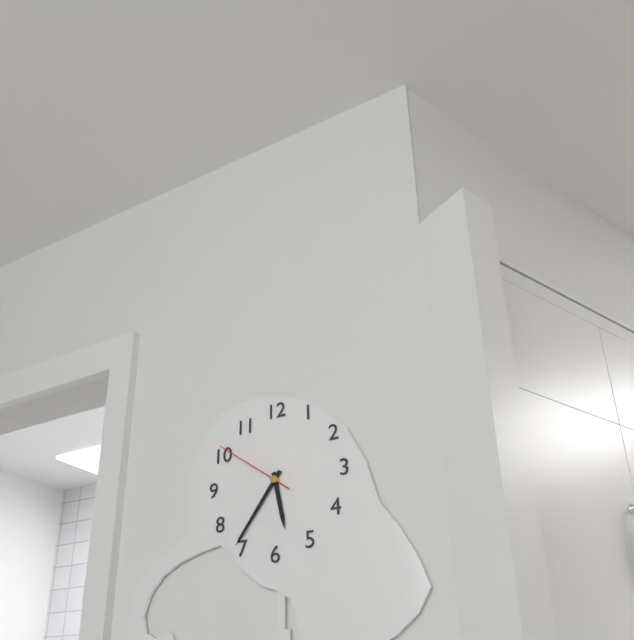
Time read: 5:36:51
